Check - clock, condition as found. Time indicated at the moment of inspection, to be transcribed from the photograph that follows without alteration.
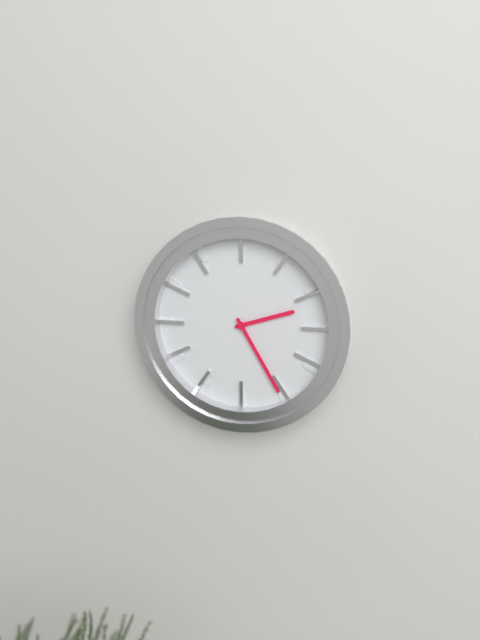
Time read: 2:25
